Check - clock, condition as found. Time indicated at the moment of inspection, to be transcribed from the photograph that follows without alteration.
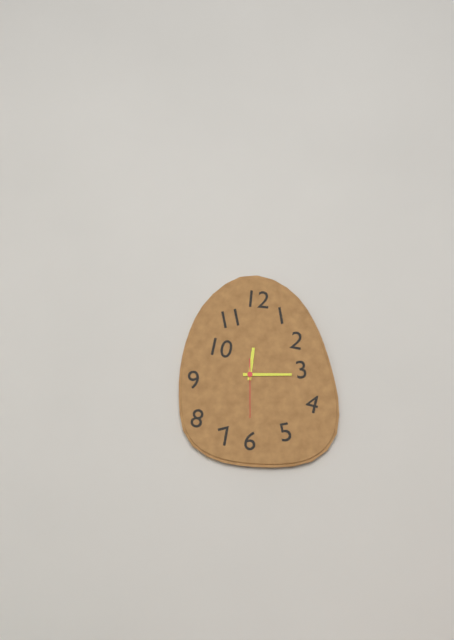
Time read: 12:15:30
